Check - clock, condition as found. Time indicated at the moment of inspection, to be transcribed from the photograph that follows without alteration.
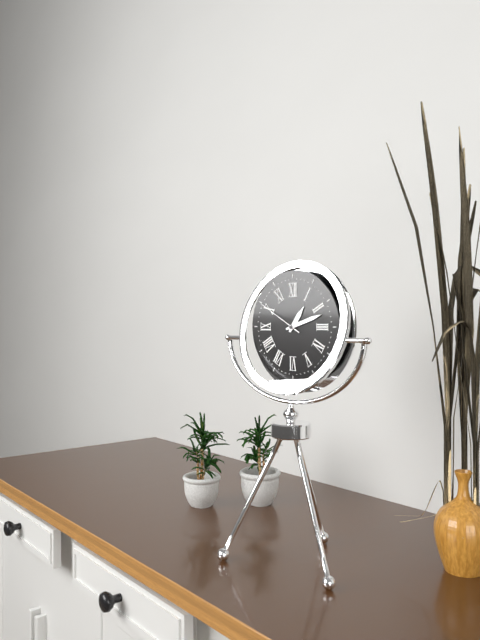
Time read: 1:12
